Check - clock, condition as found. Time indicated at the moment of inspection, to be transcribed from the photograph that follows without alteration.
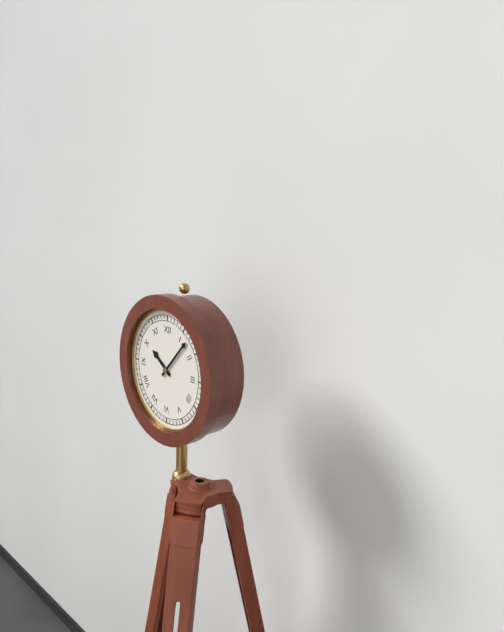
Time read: 10:07
